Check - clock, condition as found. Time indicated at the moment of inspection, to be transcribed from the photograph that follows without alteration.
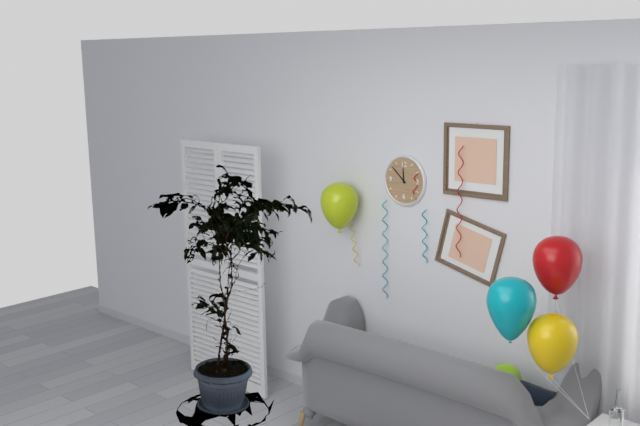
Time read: 11:52
